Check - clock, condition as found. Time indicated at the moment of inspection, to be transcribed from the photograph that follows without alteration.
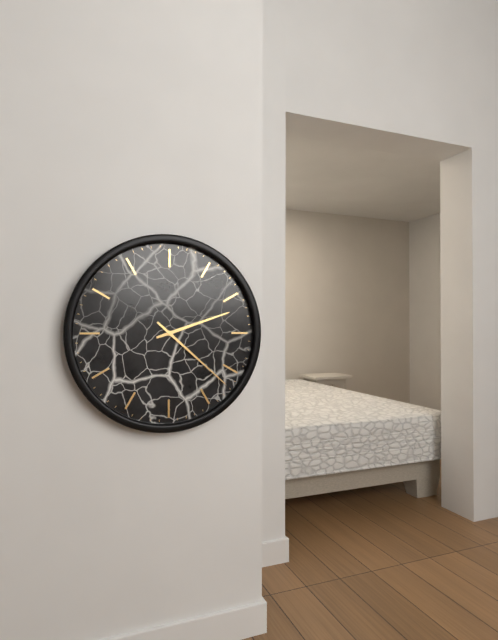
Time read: 2:22
